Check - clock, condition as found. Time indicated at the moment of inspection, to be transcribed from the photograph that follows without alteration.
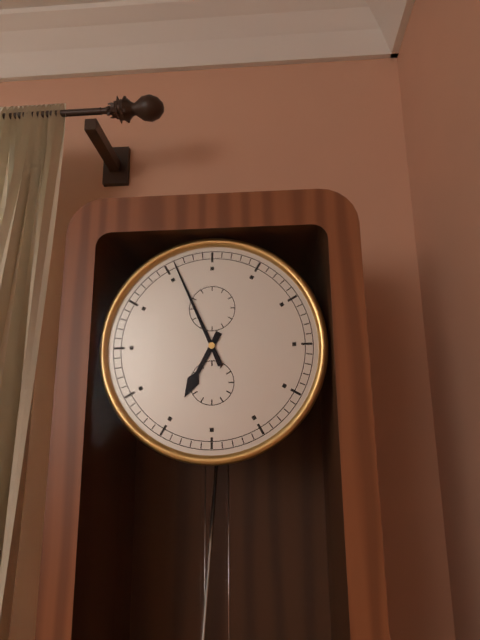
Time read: 6:56
